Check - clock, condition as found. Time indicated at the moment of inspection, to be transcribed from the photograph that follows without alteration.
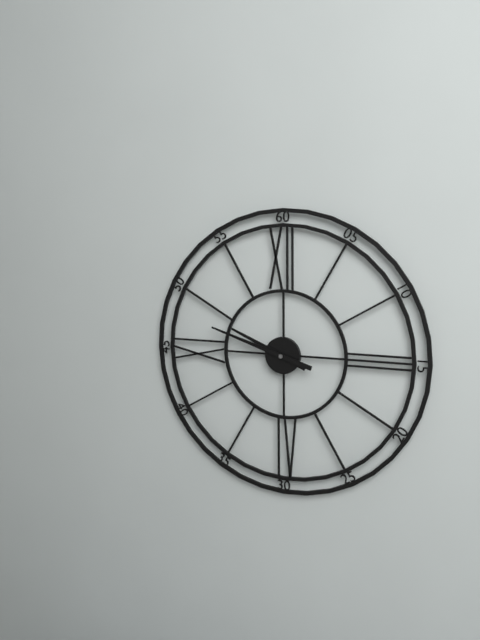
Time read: 9:48
